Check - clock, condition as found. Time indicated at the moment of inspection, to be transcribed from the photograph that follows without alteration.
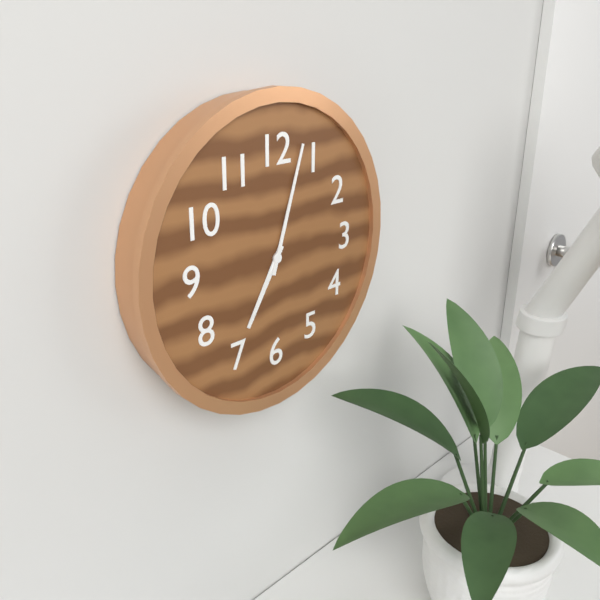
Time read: 7:03
